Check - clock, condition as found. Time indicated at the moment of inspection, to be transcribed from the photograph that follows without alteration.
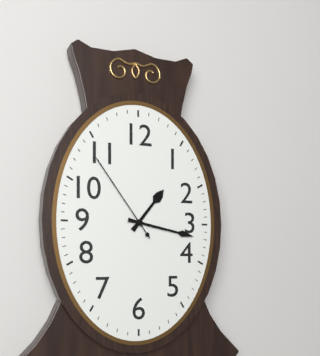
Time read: 1:17:54
